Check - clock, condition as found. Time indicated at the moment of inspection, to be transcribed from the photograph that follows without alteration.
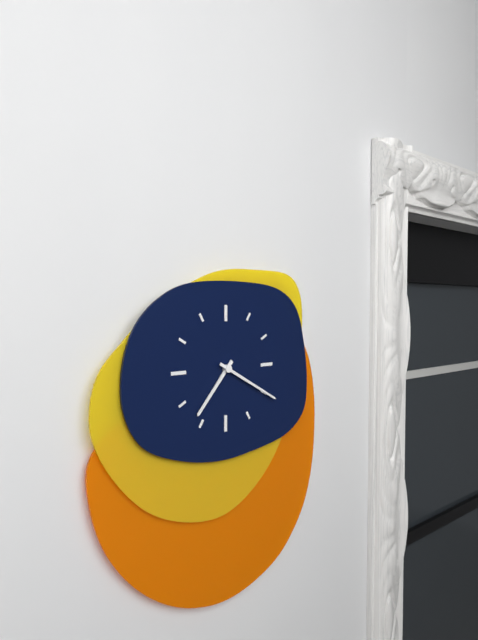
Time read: 7:20
